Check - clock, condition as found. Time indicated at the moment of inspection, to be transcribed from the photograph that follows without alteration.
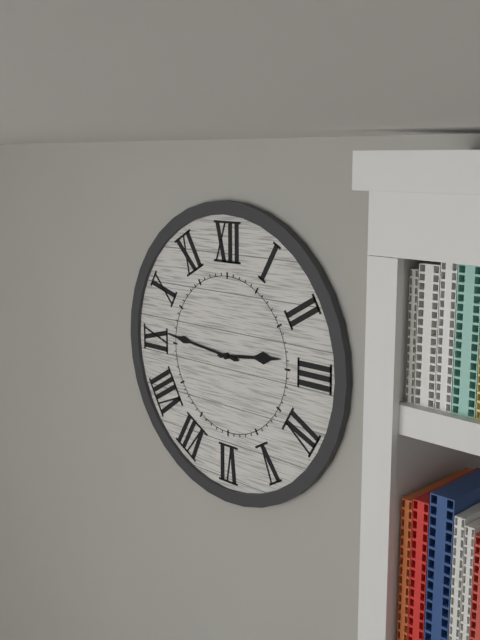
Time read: 2:46
